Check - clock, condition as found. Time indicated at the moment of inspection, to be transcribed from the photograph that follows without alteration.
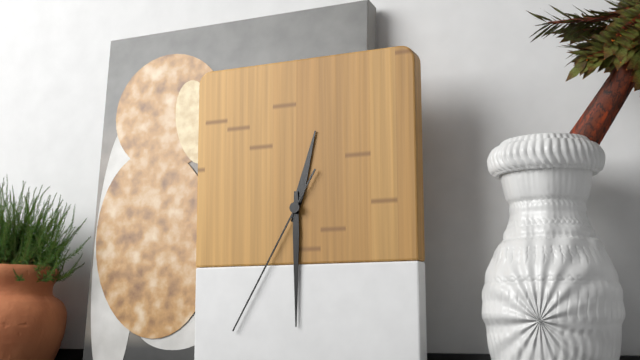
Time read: 12:30:35
